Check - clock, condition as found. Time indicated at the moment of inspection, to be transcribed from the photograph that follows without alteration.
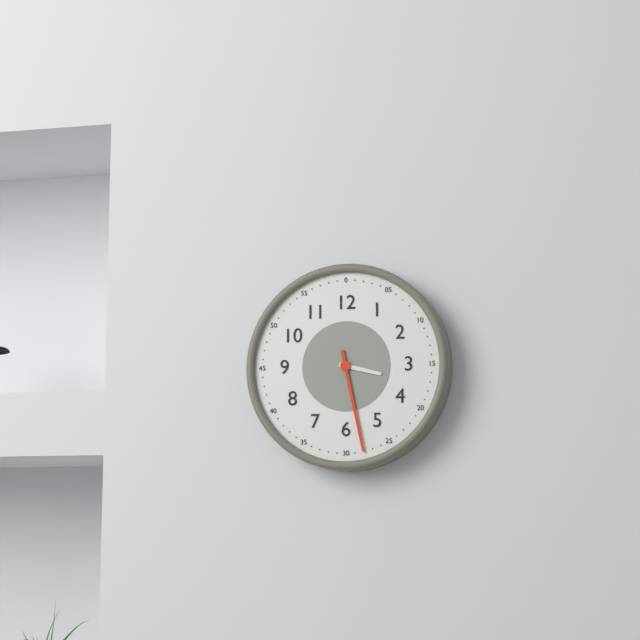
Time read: 3:28
